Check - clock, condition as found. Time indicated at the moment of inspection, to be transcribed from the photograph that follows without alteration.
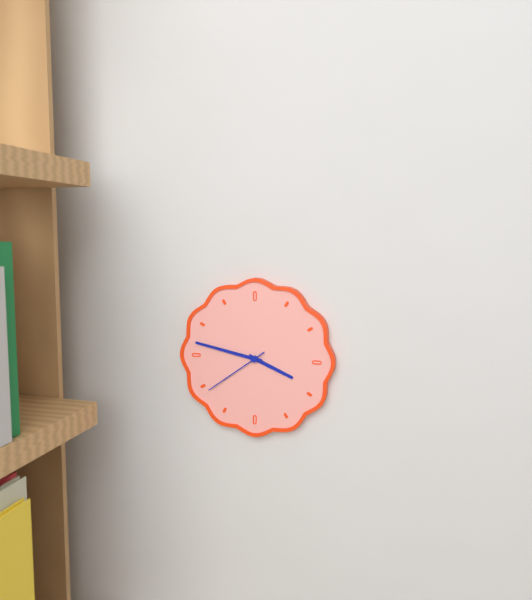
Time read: 3:47:39
